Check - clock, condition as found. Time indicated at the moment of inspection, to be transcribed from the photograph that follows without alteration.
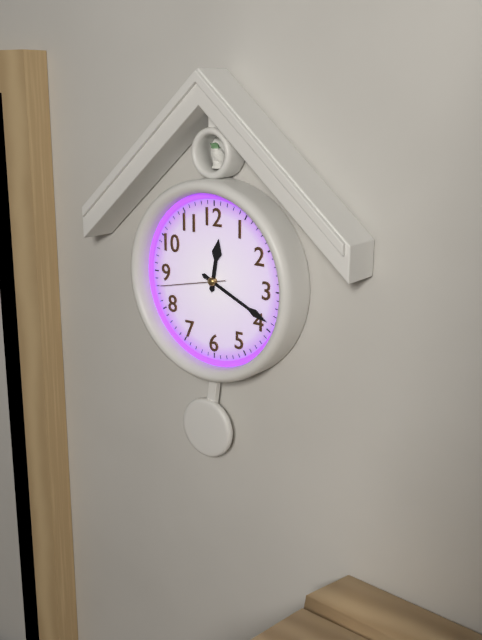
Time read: 12:19:43
